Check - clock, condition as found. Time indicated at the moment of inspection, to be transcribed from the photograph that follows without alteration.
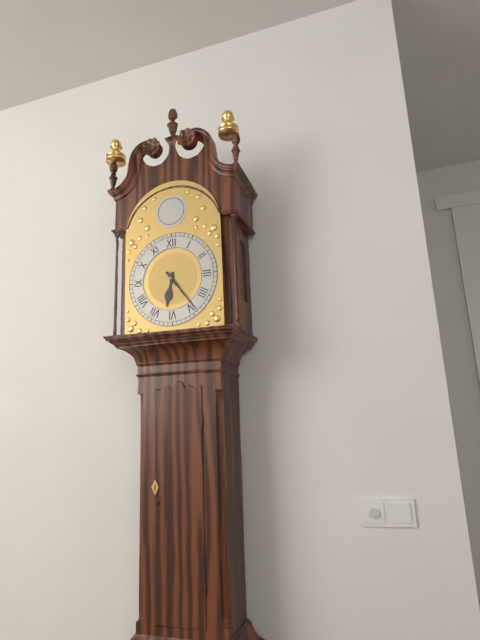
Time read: 6:24
